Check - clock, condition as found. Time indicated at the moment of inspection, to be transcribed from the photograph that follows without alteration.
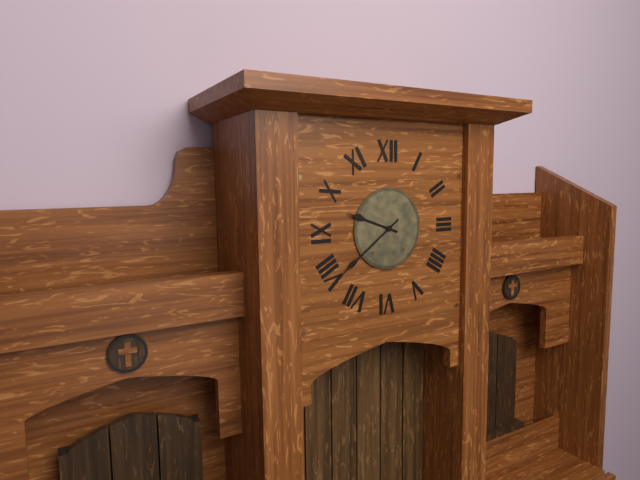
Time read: 9:39
